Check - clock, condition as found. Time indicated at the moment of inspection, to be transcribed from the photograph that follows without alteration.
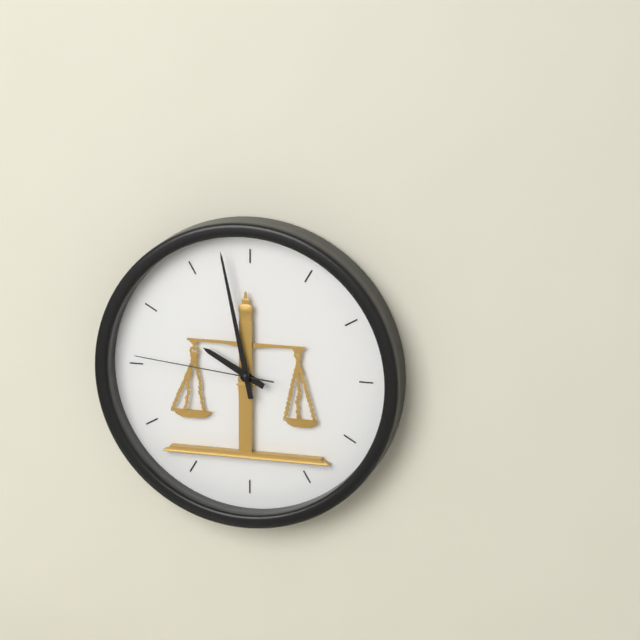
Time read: 9:58:46
